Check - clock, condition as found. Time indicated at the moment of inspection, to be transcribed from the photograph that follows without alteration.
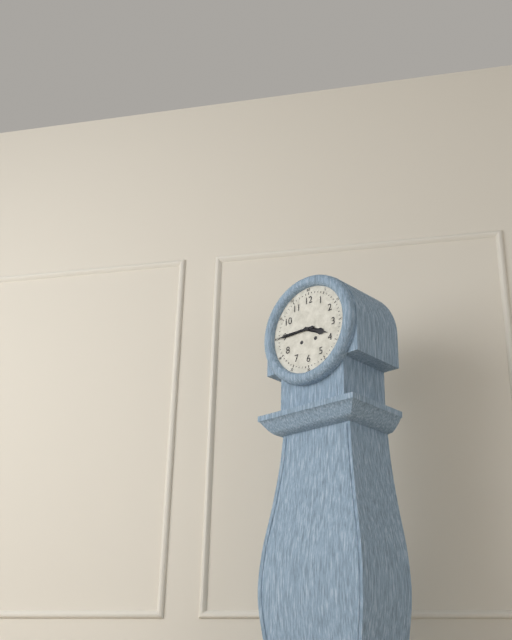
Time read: 3:45
